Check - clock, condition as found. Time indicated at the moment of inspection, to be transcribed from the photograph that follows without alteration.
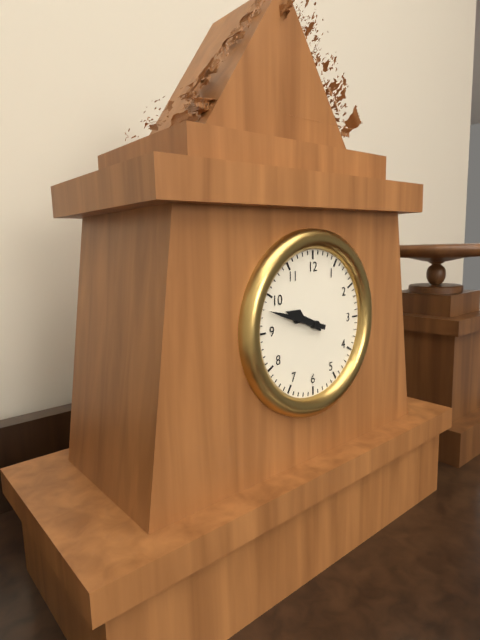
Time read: 9:48
